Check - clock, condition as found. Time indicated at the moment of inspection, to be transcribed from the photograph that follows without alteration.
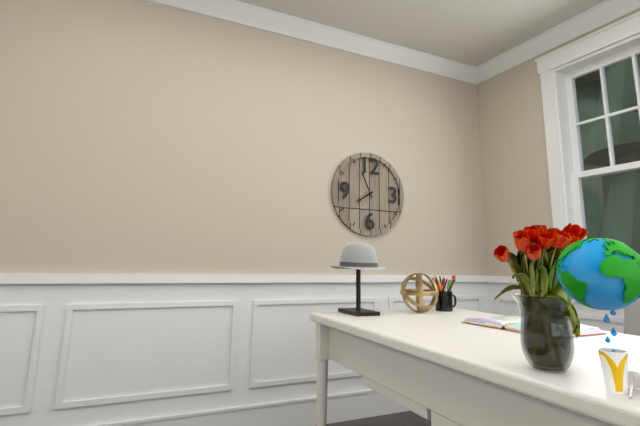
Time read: 7:56
